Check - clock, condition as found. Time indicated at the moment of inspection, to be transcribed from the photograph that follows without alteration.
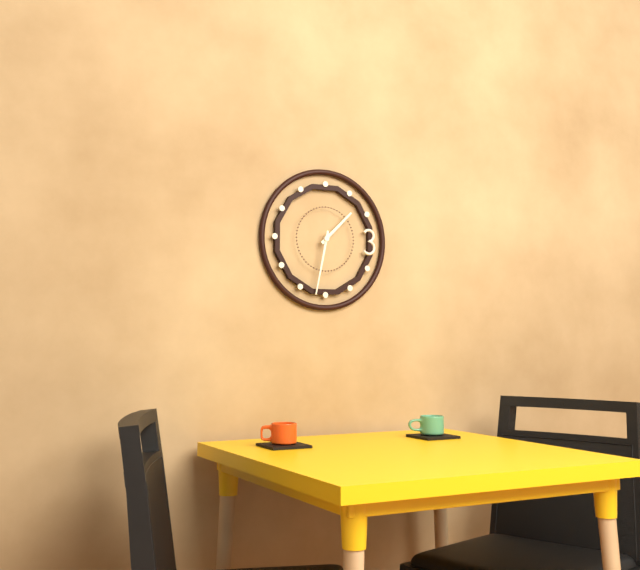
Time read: 1:32
